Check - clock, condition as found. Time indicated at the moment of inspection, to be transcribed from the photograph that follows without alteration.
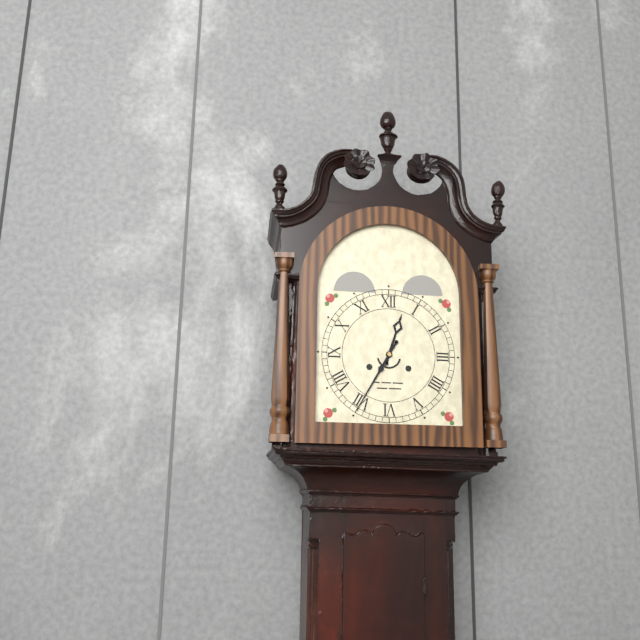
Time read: 12:35
